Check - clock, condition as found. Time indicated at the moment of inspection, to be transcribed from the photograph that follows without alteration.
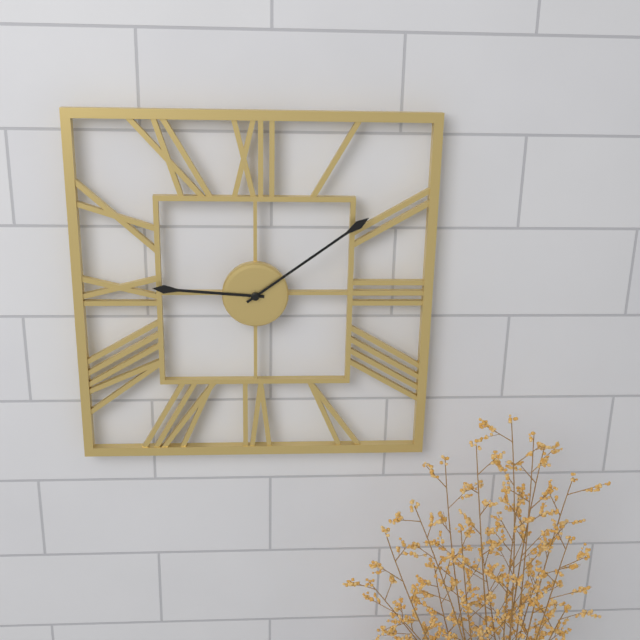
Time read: 9:09
